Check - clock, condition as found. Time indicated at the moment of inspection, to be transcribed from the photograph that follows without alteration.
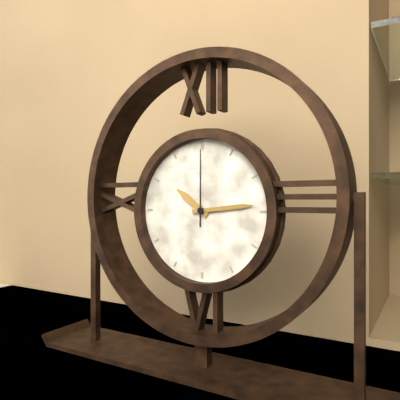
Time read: 10:14:00
